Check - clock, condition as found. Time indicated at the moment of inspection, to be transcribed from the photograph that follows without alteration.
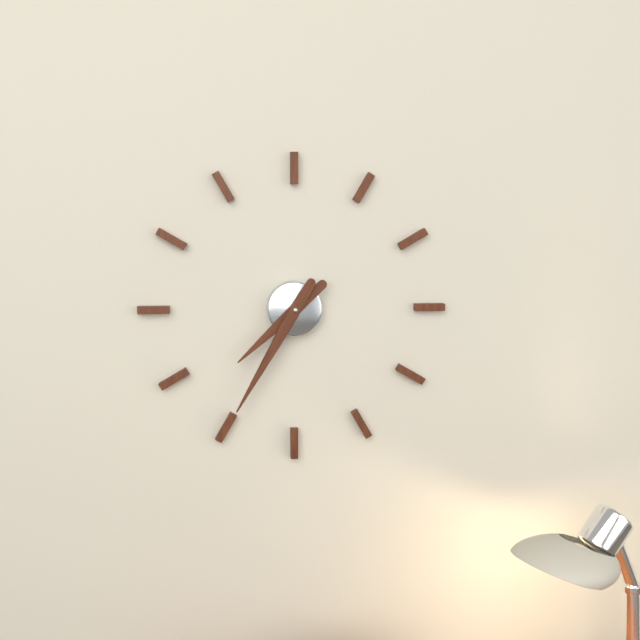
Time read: 7:35
